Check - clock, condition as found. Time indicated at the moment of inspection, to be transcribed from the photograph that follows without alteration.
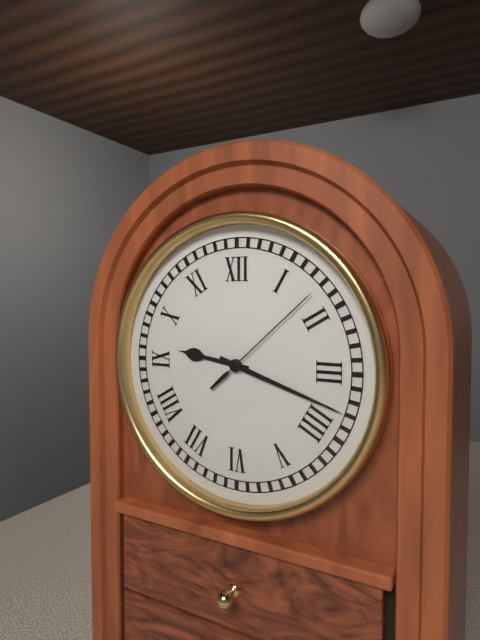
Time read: 9:18:08
